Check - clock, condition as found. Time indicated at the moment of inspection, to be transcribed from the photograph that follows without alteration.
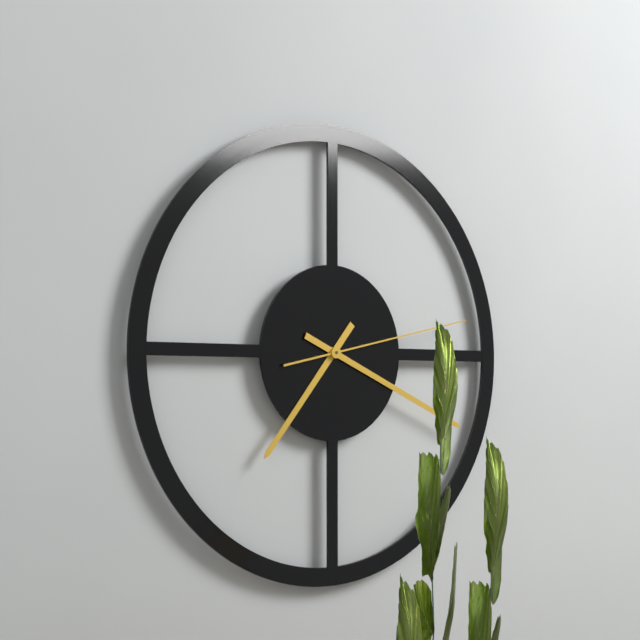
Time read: 7:19:13
